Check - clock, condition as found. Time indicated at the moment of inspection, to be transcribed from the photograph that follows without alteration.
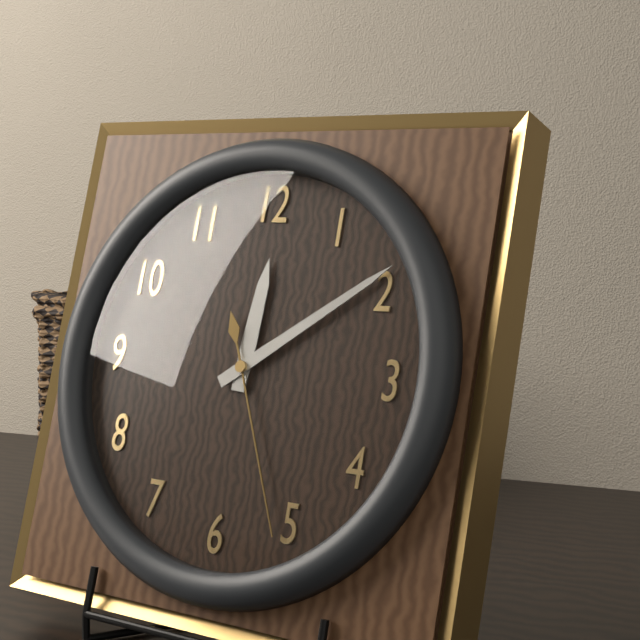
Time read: 12:09:26
